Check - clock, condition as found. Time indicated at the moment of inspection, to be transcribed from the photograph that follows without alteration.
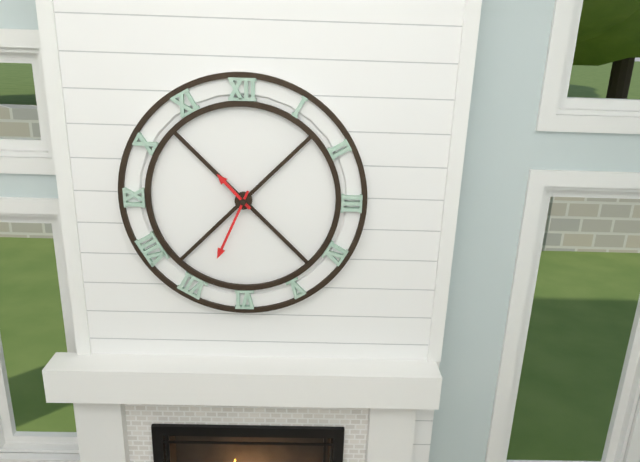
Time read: 10:34
